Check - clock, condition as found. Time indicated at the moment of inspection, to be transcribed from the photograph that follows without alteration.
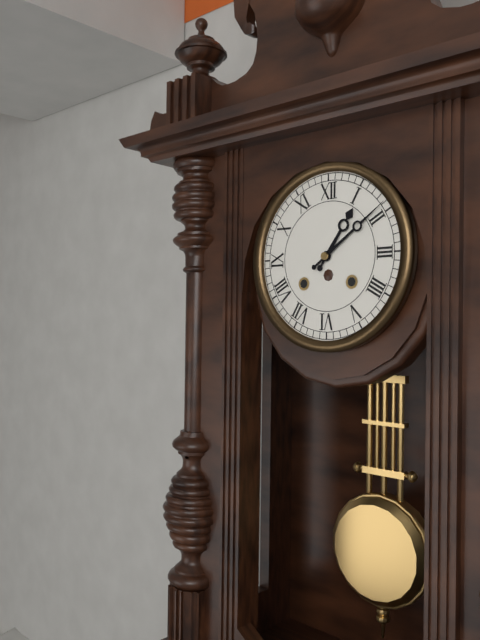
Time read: 1:09
